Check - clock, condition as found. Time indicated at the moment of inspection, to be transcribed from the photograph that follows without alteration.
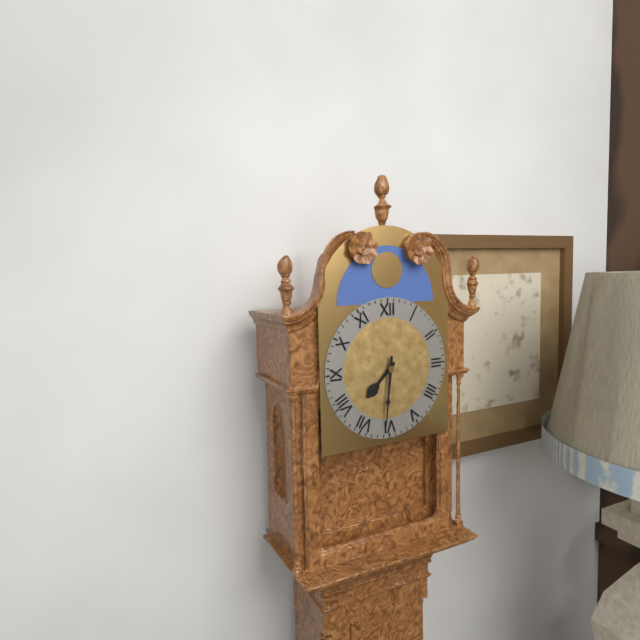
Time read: 7:31
